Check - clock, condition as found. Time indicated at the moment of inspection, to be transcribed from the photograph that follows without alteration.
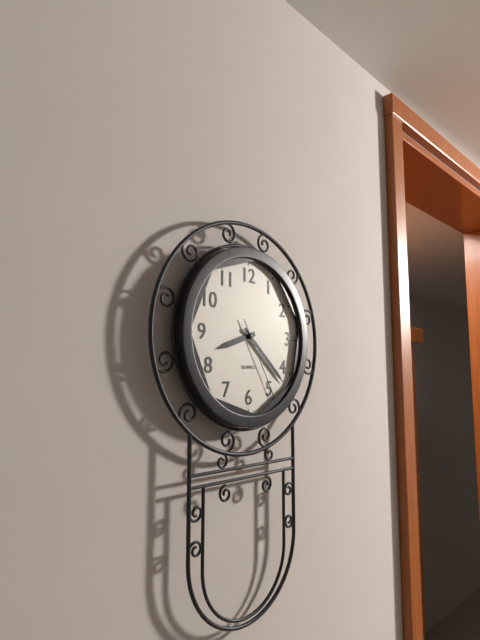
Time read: 8:22:25
